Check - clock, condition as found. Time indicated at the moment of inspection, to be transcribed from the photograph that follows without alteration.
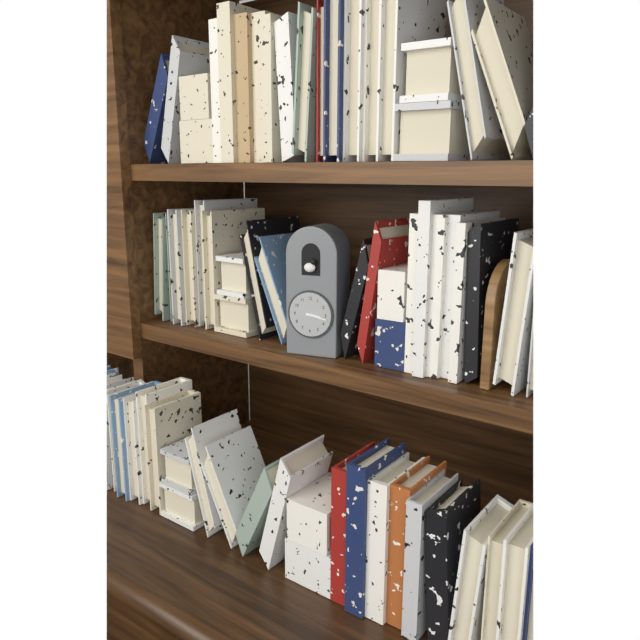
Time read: 3:17
